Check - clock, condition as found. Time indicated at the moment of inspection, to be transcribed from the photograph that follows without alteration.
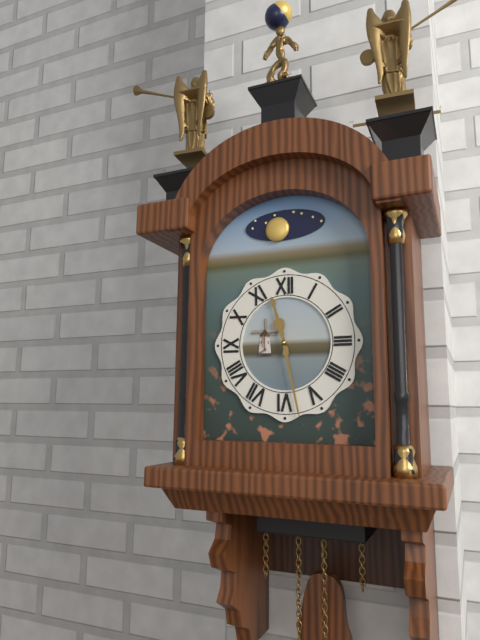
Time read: 11:28
